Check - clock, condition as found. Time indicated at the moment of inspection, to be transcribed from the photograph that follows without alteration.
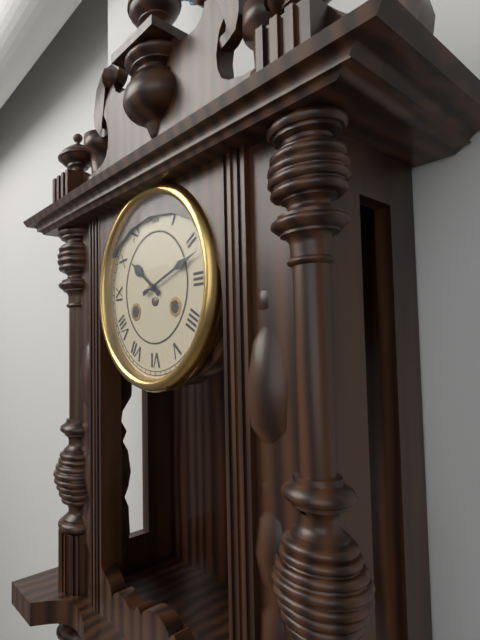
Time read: 10:12
